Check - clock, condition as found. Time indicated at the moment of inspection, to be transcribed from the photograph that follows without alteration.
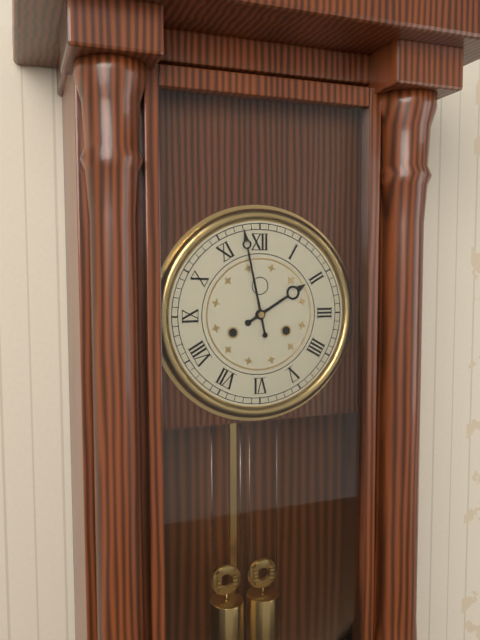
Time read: 1:58
